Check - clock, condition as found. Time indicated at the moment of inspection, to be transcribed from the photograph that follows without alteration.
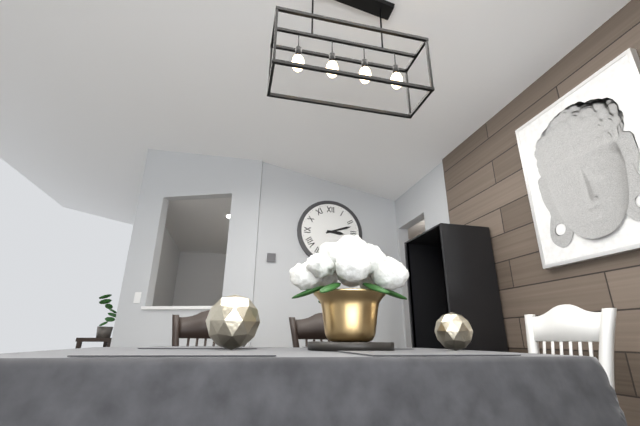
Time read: 3:12
